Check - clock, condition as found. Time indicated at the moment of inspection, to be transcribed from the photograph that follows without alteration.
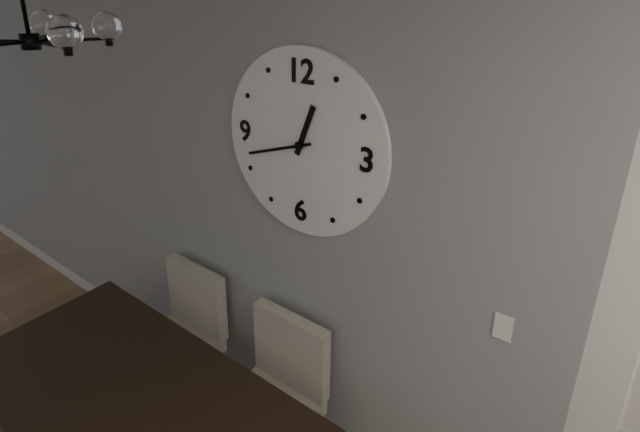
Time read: 12:42
